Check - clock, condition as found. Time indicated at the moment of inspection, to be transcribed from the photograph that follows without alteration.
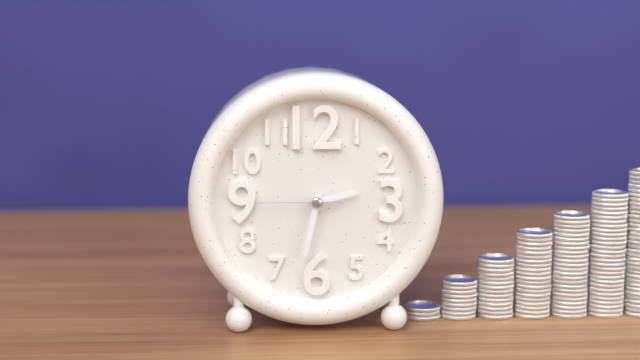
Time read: 2:32:45
